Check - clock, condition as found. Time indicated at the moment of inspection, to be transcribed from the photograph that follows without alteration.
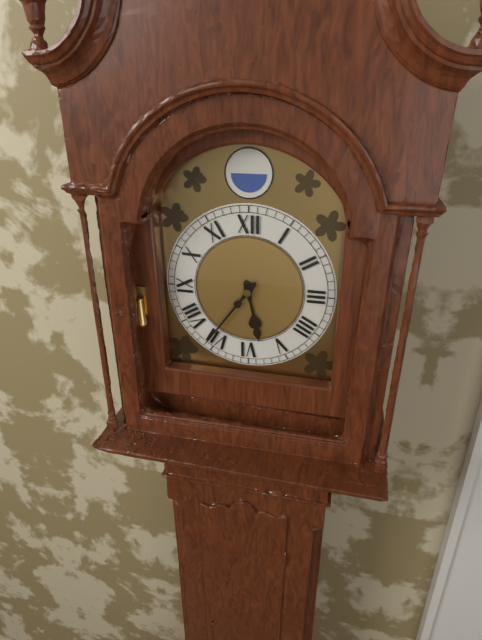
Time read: 5:36
